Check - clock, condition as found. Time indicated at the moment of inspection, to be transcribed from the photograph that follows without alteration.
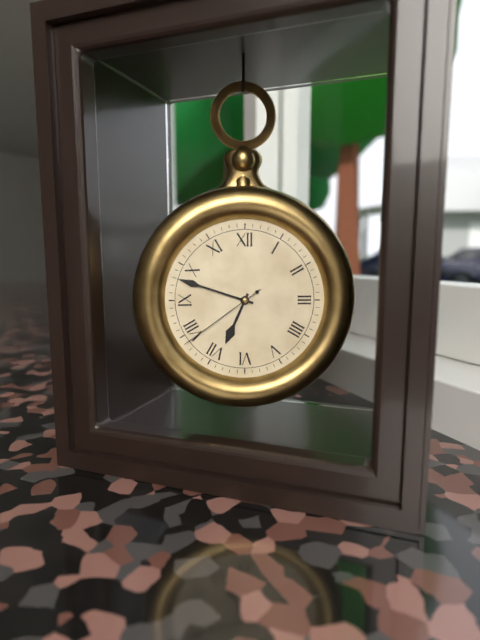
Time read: 6:48:39
